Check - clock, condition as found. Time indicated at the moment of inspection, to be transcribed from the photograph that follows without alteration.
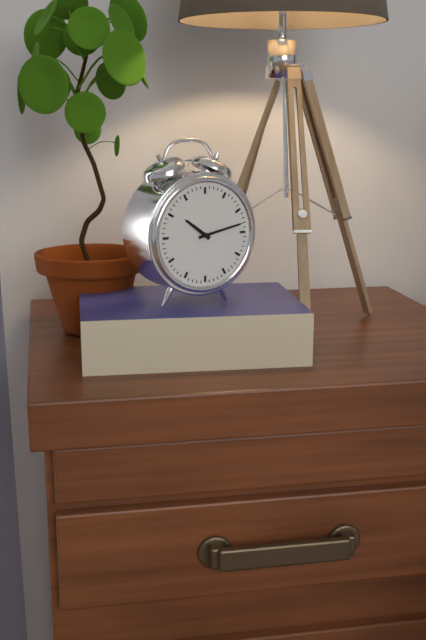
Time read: 10:13
